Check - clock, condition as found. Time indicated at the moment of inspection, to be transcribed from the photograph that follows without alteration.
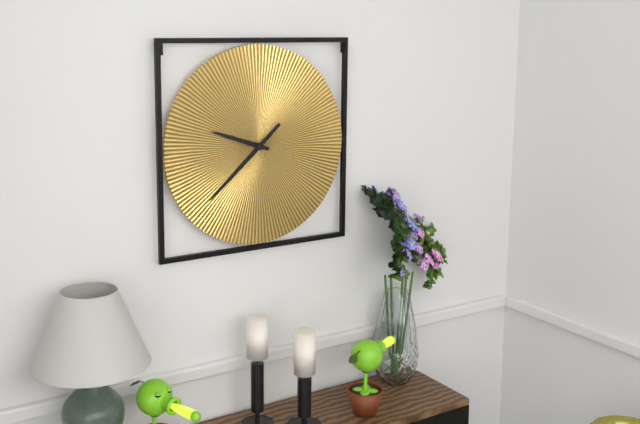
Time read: 9:38
